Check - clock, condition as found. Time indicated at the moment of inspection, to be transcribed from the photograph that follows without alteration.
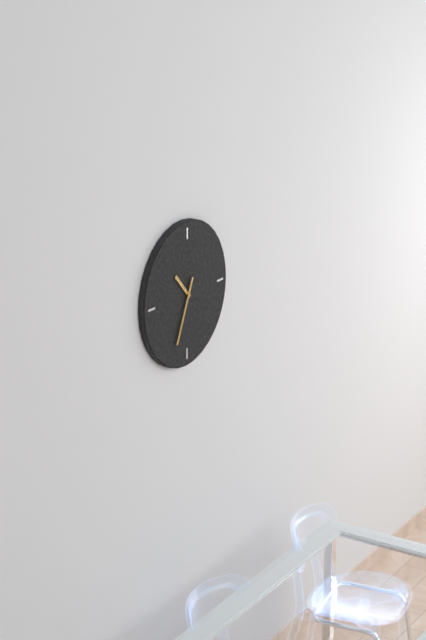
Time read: 10:34
